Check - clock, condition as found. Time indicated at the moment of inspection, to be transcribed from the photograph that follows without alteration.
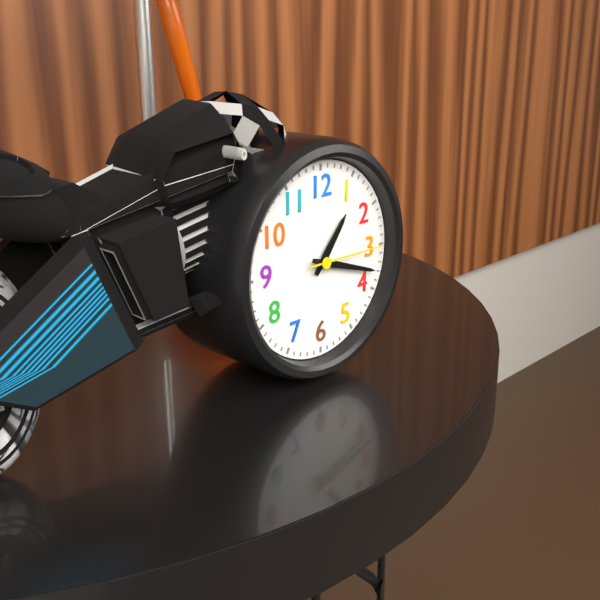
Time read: 1:18:15
